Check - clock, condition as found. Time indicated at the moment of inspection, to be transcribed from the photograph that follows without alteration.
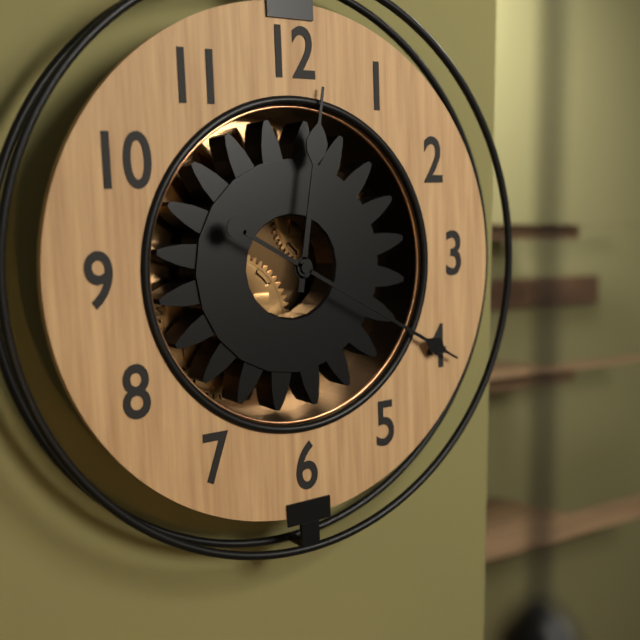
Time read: 12:20
